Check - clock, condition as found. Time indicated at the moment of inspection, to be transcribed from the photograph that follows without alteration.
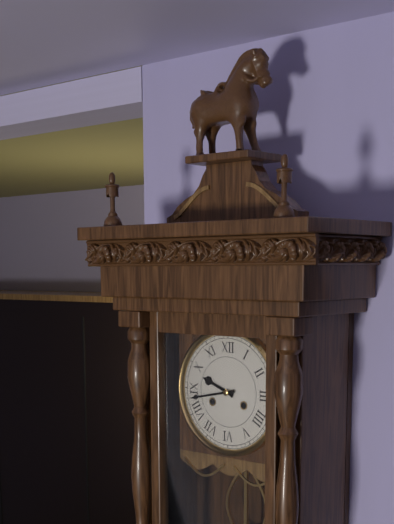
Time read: 9:43
